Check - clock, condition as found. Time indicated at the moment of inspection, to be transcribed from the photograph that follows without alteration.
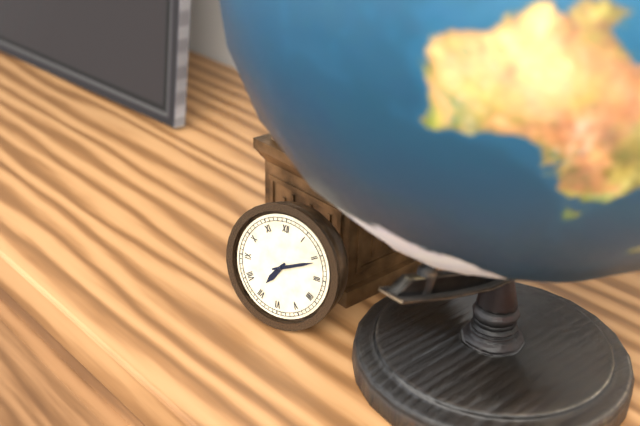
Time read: 7:11
